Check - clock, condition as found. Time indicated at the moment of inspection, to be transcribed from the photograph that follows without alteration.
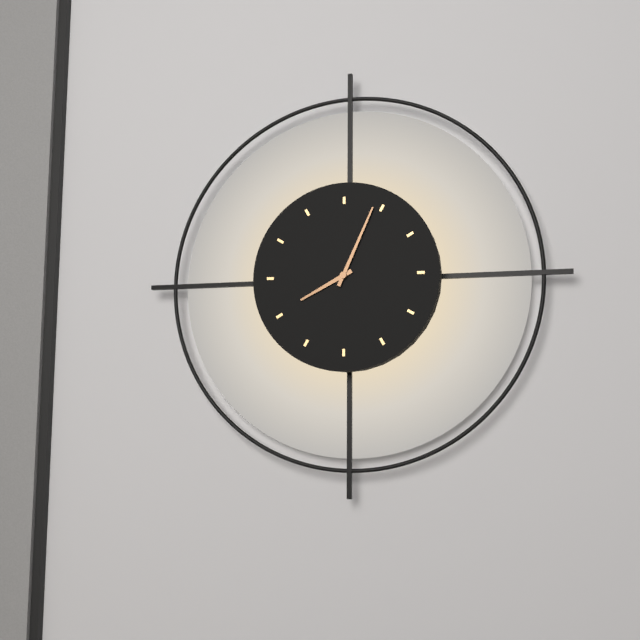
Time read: 8:04
